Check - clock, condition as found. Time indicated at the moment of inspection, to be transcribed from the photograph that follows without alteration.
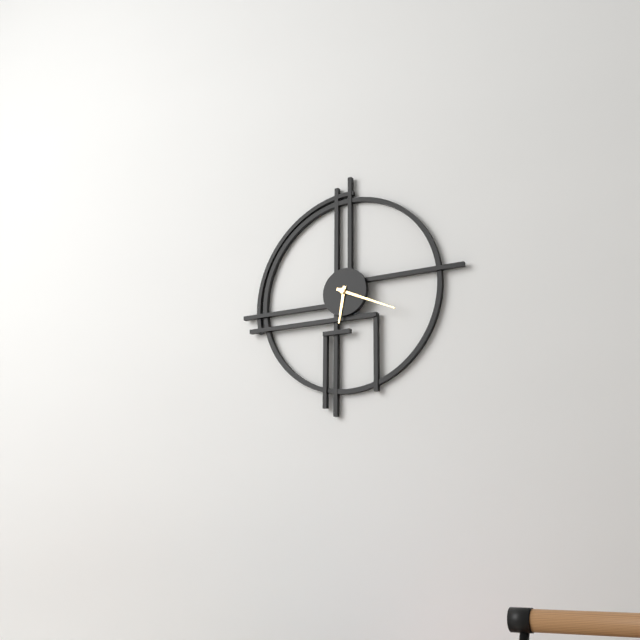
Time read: 6:19
